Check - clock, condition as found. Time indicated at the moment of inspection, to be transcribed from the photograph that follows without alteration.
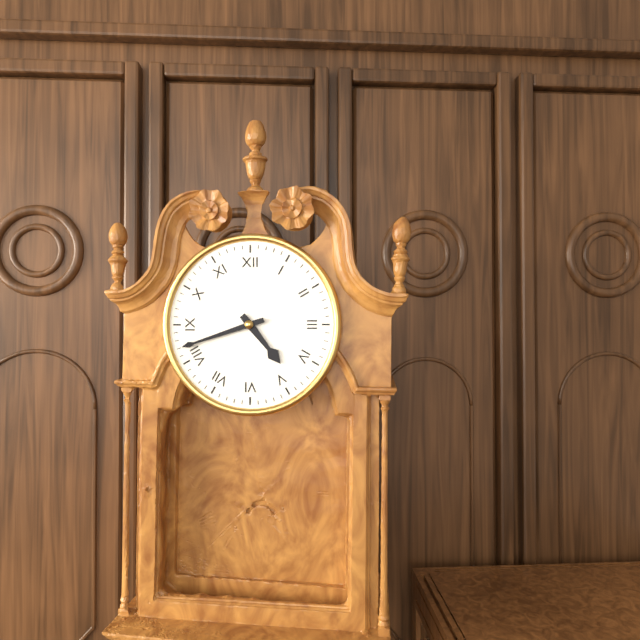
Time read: 4:42
